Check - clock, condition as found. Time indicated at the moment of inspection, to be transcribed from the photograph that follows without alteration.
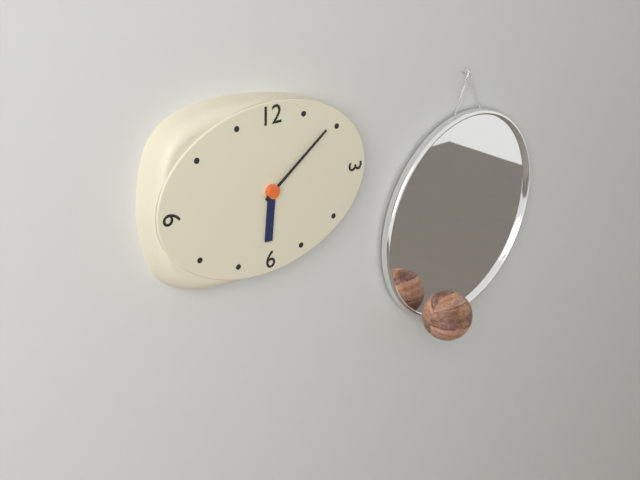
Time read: 6:09
